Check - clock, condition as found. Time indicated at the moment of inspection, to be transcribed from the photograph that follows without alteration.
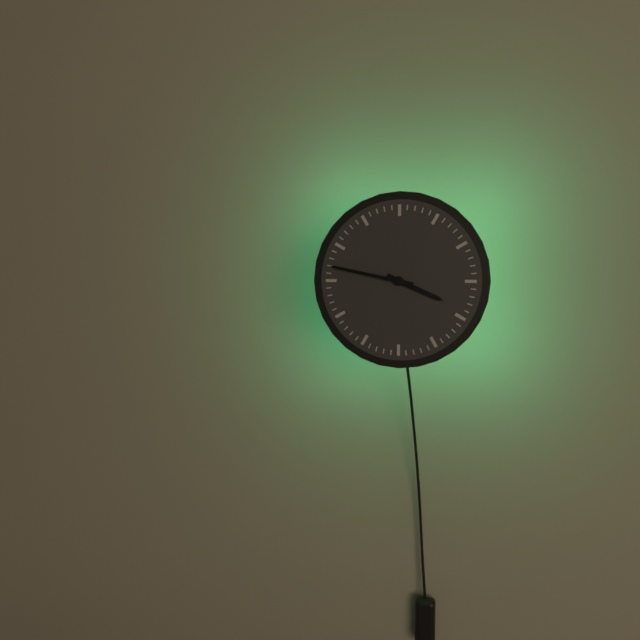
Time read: 3:47
